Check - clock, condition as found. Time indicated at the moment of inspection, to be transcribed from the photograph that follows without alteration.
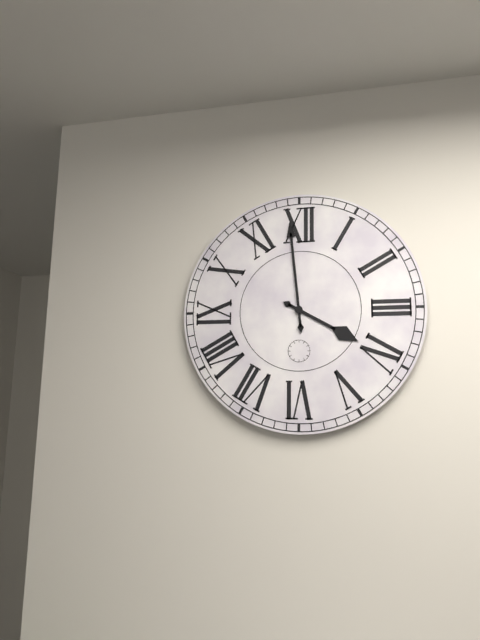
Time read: 3:59
